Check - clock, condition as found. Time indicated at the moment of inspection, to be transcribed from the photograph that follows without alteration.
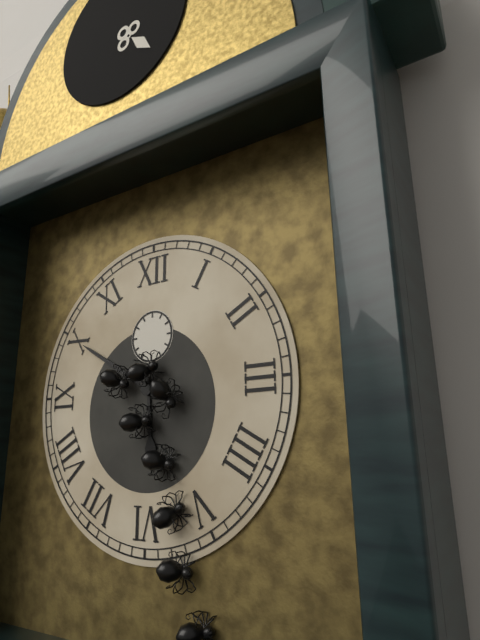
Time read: 5:50
